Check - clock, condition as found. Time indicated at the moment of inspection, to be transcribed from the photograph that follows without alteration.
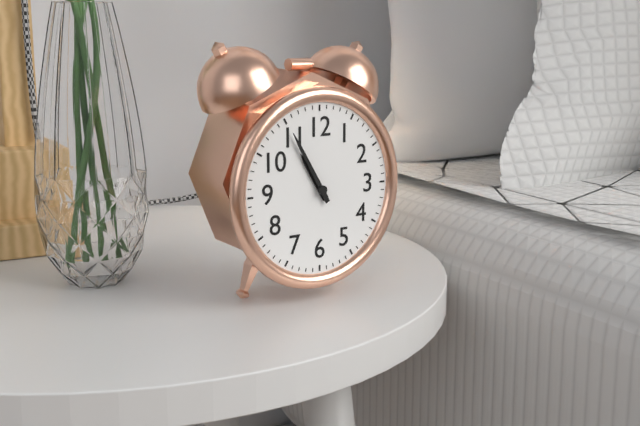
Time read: 10:55
